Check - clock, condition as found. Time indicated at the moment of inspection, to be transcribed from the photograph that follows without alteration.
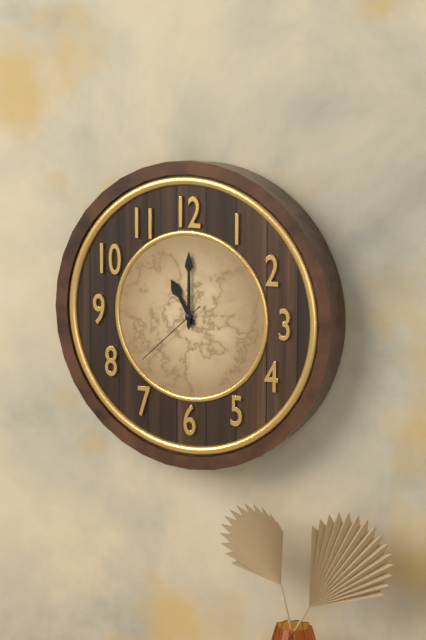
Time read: 11:00:38
